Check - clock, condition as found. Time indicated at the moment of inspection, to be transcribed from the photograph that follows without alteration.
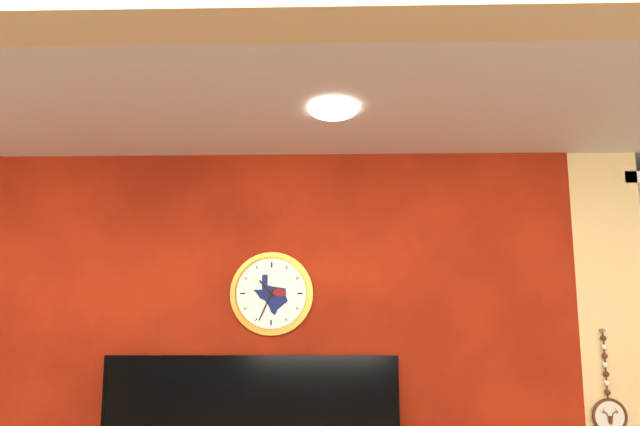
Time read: 10:34
